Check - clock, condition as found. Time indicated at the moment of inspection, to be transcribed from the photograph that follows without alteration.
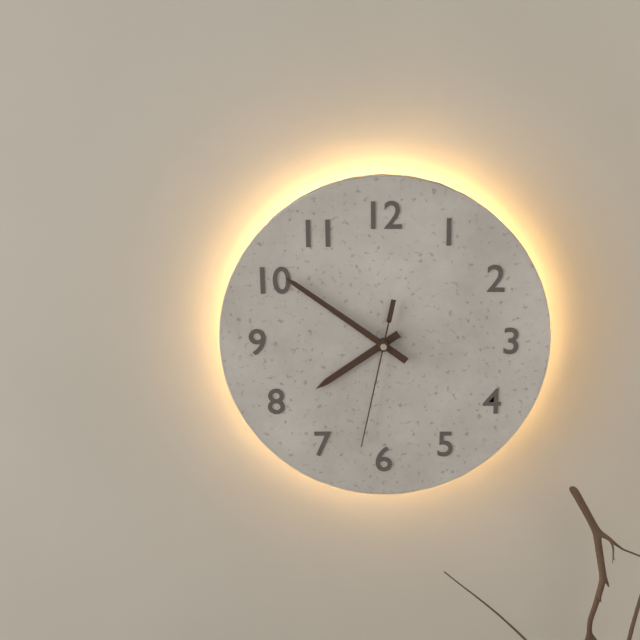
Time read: 7:51:32
